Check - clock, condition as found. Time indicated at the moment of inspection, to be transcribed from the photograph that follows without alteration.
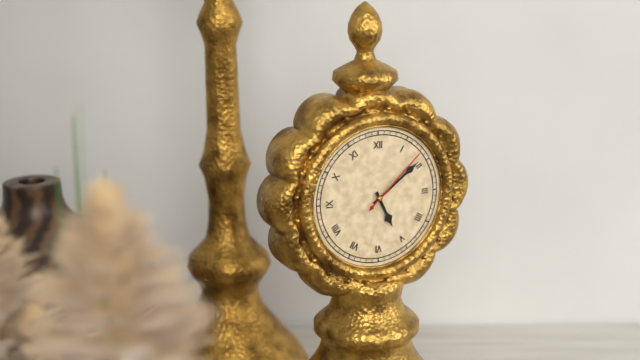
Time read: 5:09:08
